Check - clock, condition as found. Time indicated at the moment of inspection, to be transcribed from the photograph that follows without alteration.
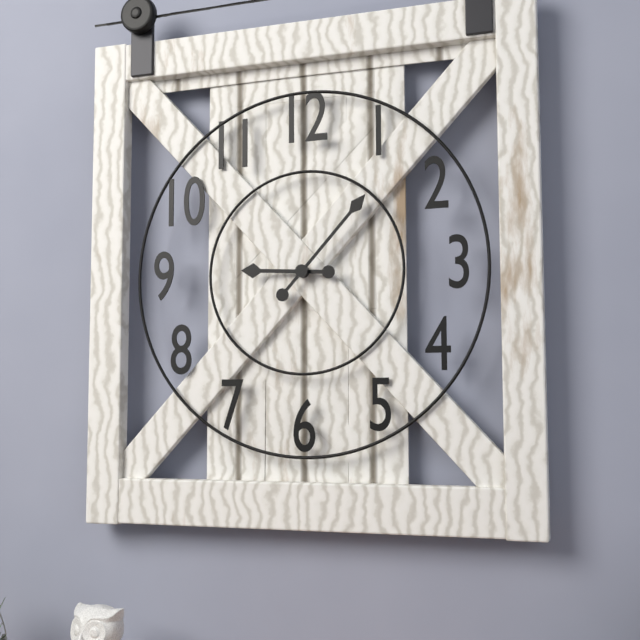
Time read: 9:07
